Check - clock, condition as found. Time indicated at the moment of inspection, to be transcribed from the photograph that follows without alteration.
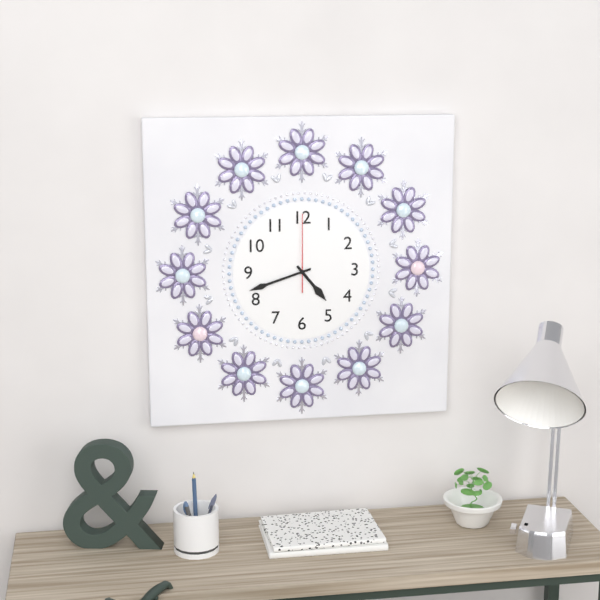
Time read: 4:42:00
